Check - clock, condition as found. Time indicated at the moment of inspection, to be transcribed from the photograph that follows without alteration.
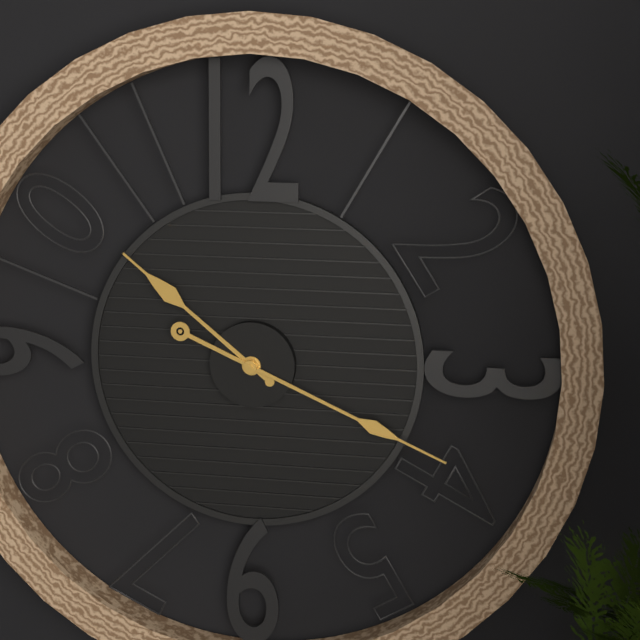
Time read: 10:19
